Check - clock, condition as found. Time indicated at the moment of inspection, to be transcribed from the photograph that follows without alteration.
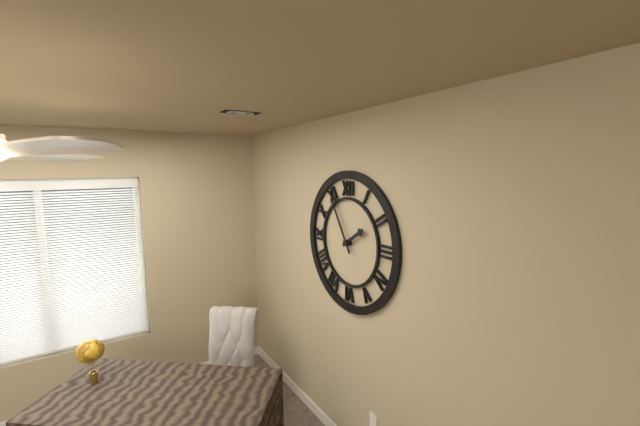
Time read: 1:55
